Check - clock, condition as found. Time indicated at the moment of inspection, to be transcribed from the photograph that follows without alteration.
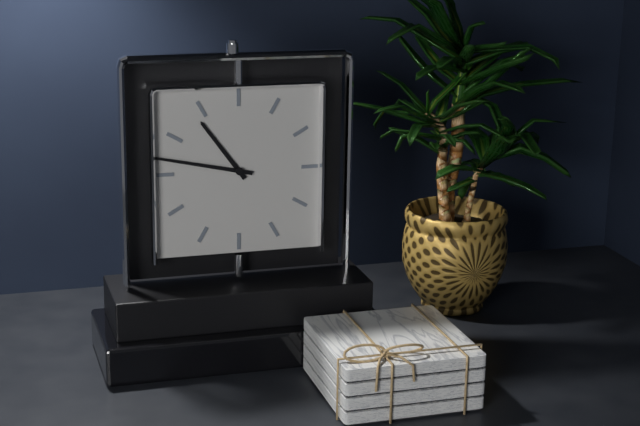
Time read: 10:47
